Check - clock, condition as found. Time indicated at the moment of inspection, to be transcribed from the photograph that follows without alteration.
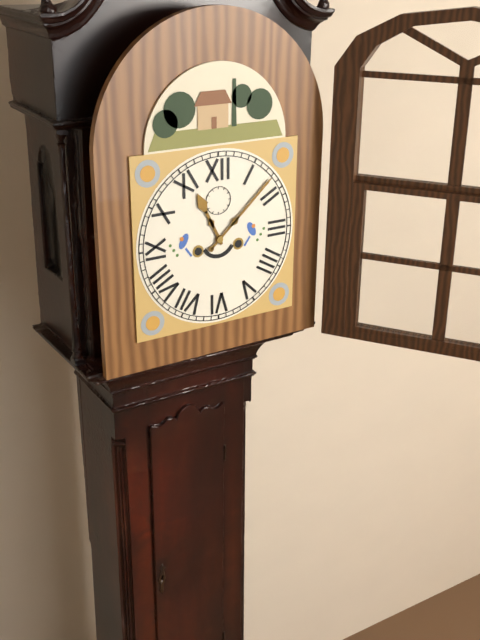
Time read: 11:08
